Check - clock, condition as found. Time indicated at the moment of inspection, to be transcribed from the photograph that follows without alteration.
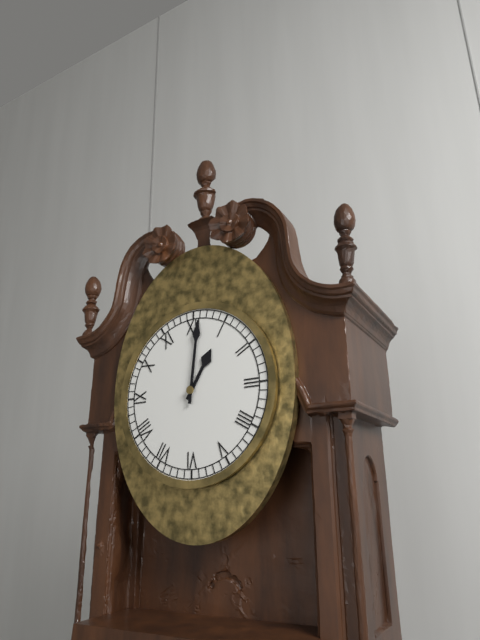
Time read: 1:01
